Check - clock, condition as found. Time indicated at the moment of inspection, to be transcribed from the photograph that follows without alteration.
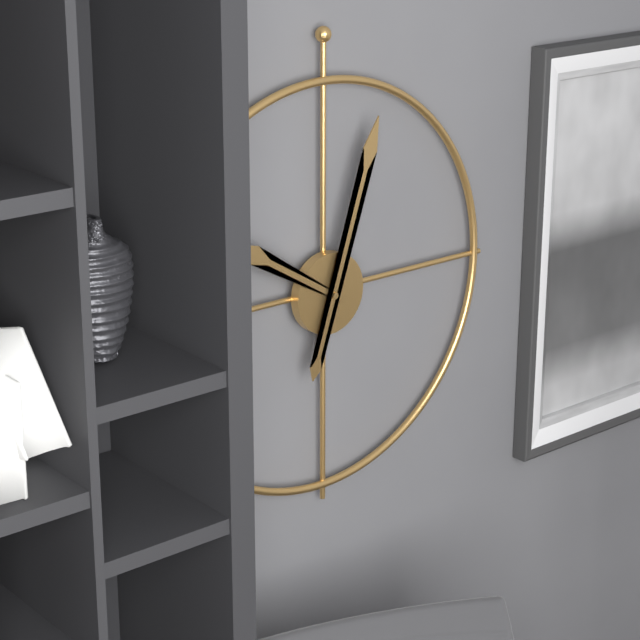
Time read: 10:03
